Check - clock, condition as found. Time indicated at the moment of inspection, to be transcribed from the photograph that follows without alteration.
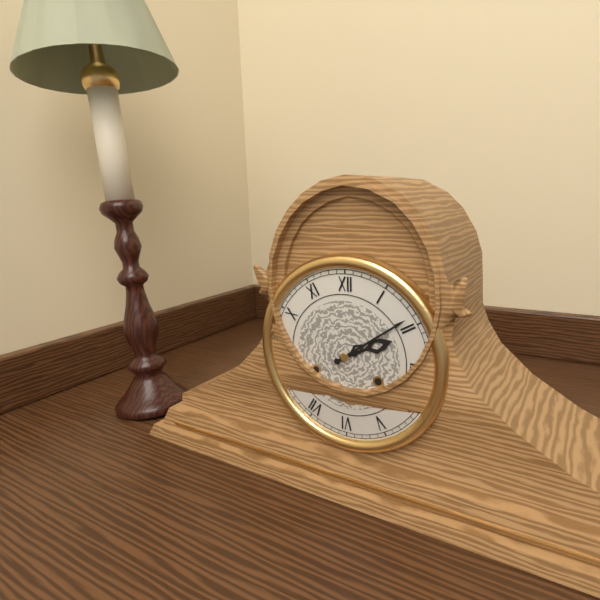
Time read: 2:09
